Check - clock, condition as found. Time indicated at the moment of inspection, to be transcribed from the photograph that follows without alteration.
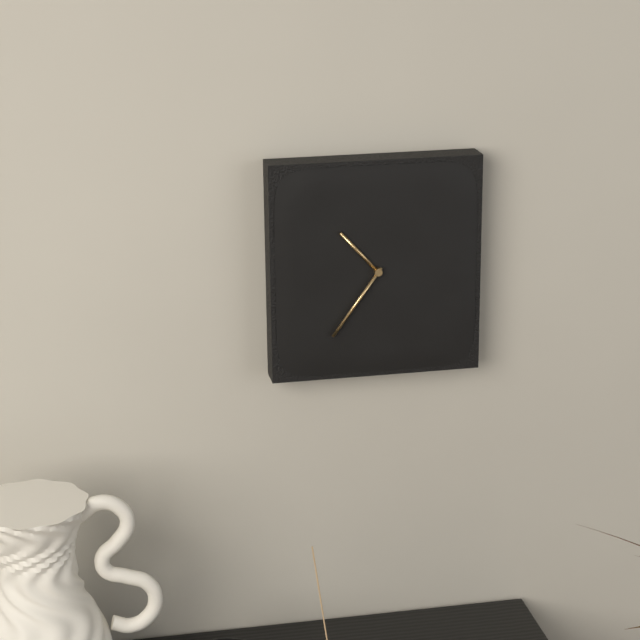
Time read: 10:36
